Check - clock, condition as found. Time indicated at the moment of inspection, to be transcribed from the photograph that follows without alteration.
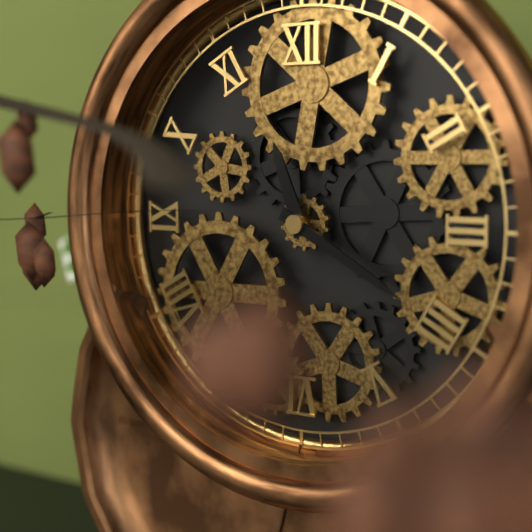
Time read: 11:20
